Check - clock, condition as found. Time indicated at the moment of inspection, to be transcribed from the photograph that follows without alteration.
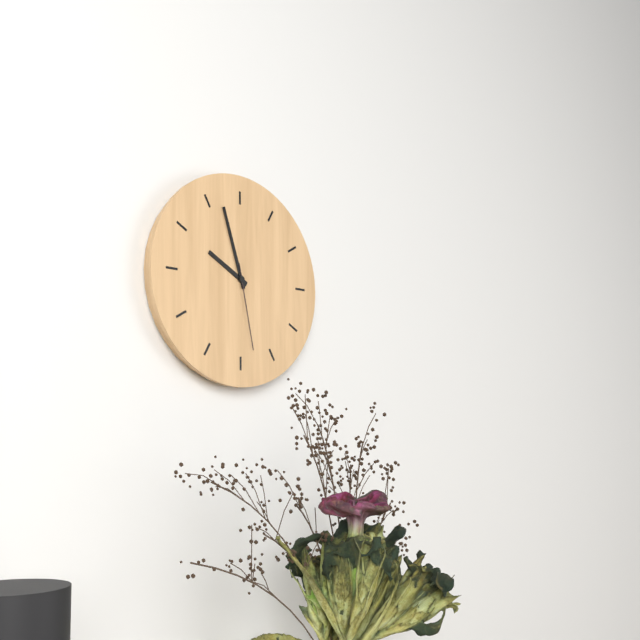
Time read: 9:57:28
